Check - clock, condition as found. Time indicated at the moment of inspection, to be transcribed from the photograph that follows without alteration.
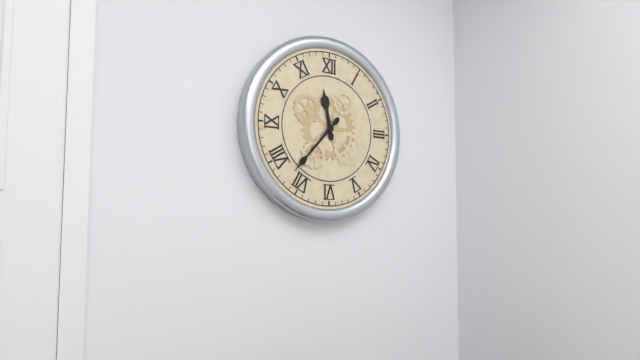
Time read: 11:37
